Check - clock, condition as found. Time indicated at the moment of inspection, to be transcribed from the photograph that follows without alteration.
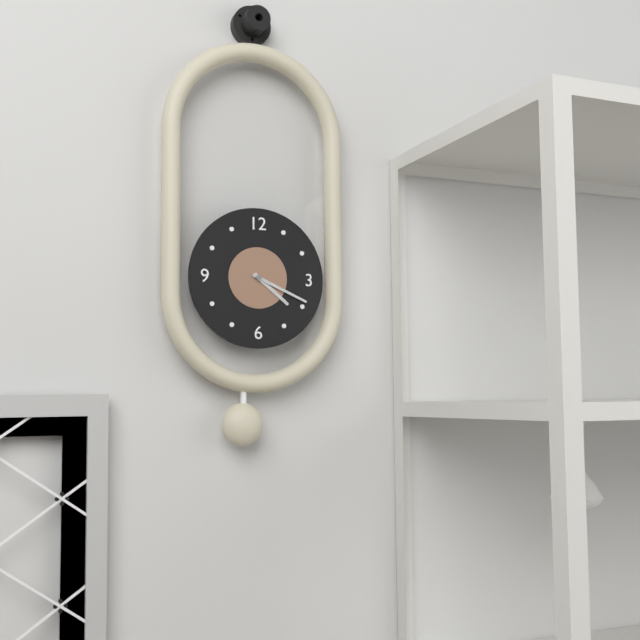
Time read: 4:19
